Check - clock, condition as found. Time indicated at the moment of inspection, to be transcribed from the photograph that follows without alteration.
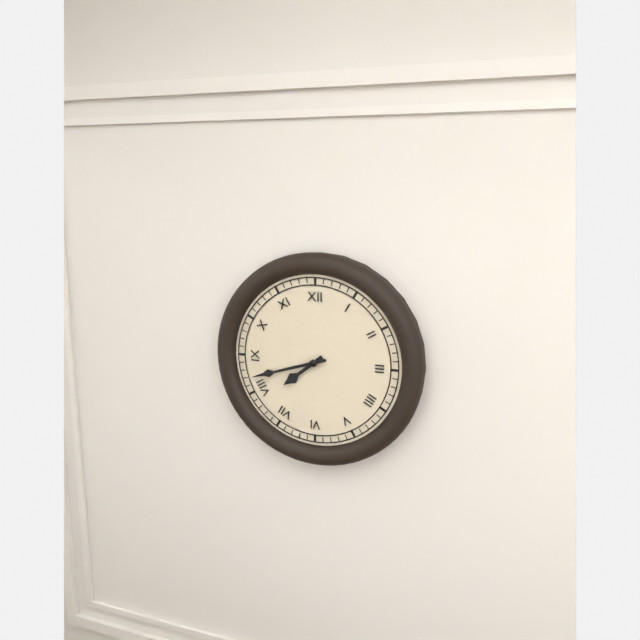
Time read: 7:42
